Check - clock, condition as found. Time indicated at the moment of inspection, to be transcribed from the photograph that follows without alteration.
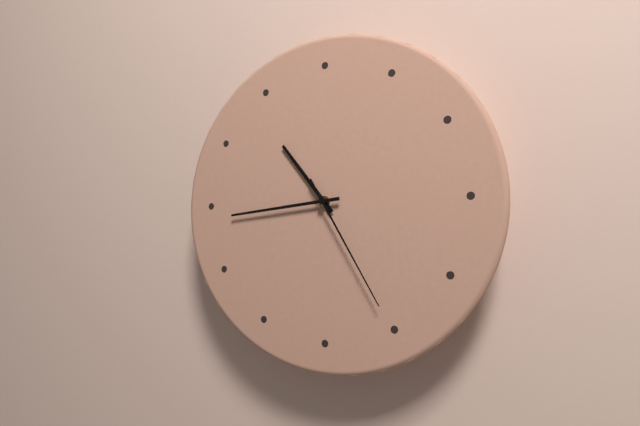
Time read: 10:44:25
